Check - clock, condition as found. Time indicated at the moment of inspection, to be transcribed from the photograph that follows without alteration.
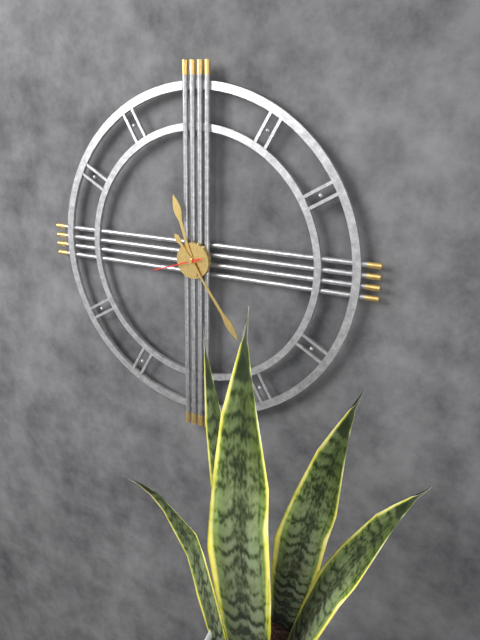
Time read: 11:24
